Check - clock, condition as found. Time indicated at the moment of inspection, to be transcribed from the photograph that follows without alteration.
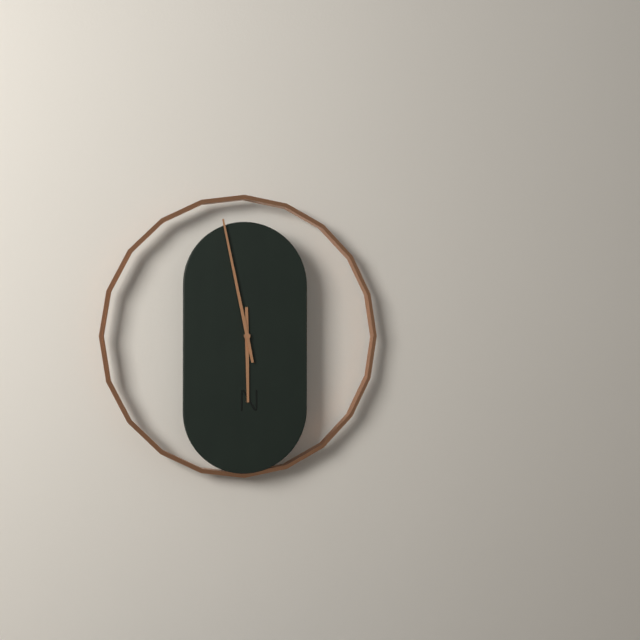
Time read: 5:58
